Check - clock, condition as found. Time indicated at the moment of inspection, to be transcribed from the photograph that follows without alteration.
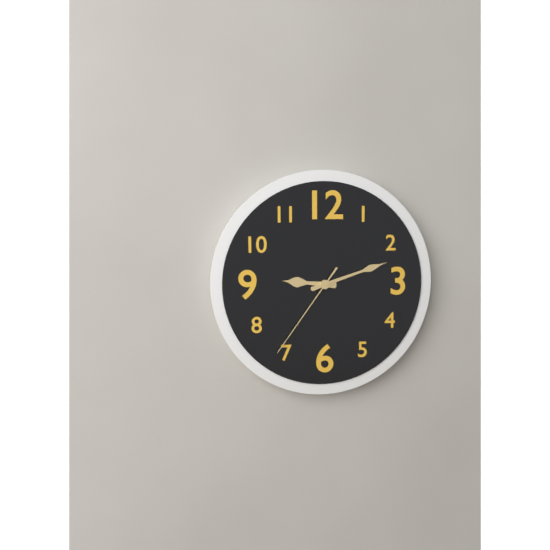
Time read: 9:12:36
